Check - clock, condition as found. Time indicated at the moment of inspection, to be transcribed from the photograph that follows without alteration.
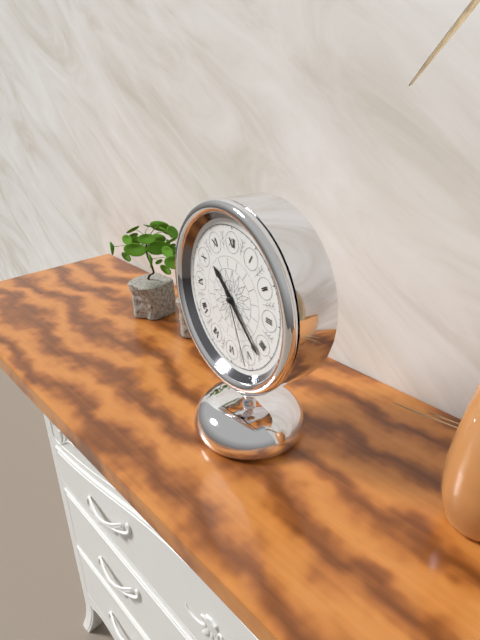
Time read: 10:22:26
